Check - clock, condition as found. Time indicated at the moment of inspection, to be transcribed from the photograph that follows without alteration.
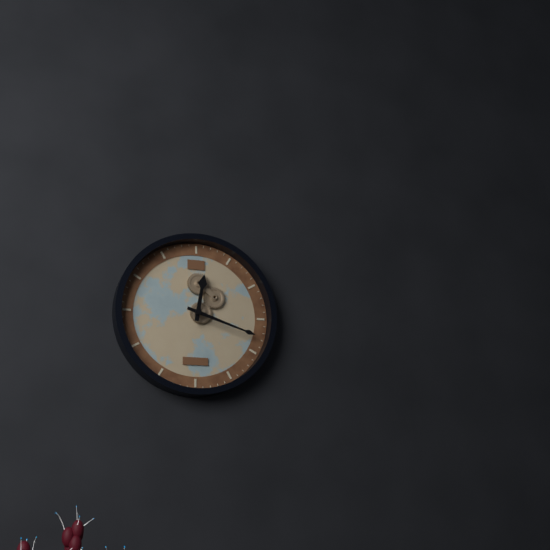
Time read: 12:18
